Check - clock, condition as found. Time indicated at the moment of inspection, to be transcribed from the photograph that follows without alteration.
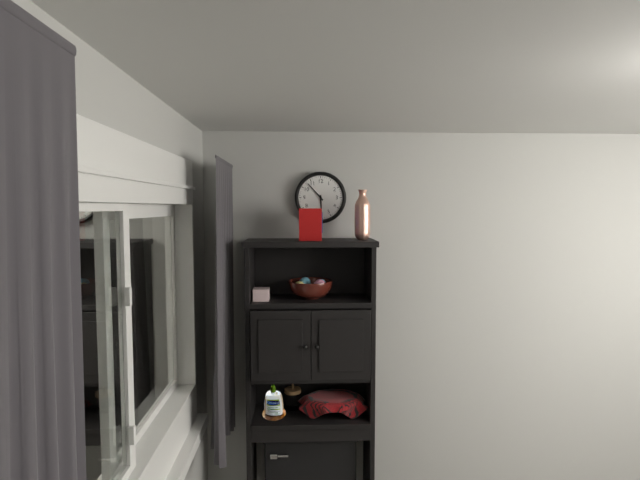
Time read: 5:53
